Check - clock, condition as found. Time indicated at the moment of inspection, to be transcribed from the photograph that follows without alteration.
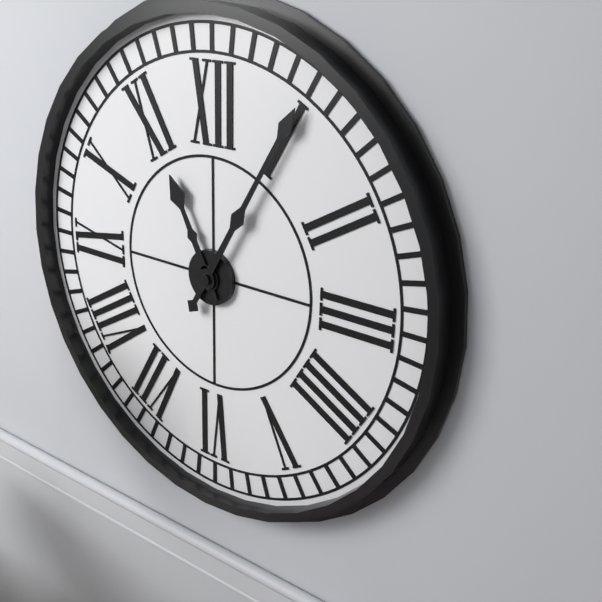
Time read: 11:05
